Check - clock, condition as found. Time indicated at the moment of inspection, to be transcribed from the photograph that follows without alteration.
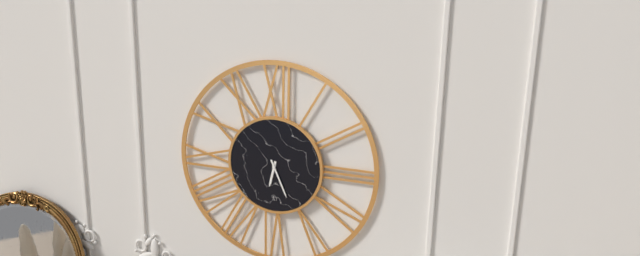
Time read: 6:26
